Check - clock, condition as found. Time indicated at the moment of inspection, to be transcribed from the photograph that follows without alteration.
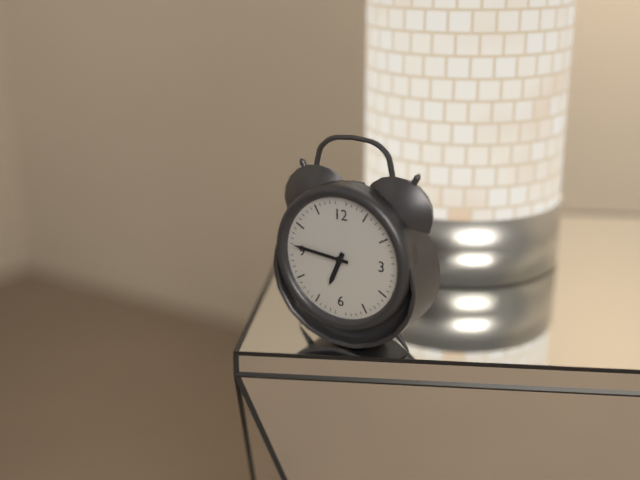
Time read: 6:46
